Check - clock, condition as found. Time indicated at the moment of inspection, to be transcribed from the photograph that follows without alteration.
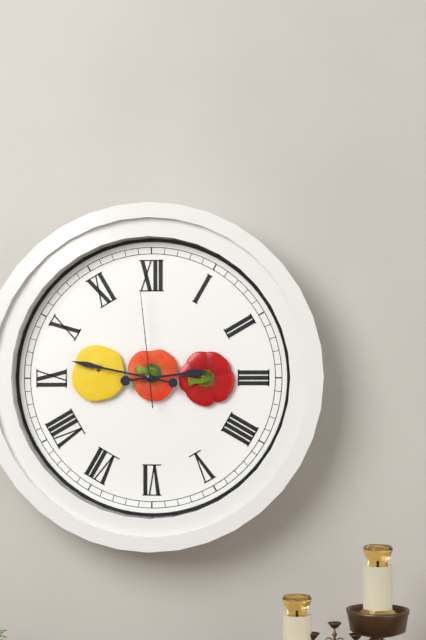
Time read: 2:47:59
